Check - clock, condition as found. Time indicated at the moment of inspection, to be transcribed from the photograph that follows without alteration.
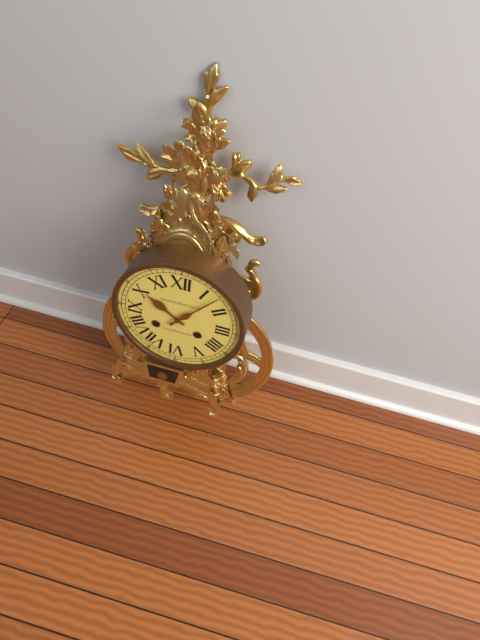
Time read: 10:07
